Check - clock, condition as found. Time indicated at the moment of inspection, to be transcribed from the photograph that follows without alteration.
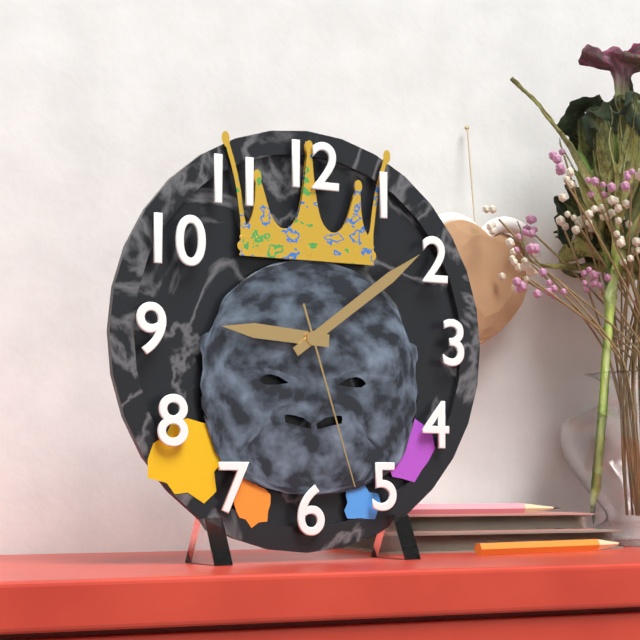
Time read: 9:09:27
